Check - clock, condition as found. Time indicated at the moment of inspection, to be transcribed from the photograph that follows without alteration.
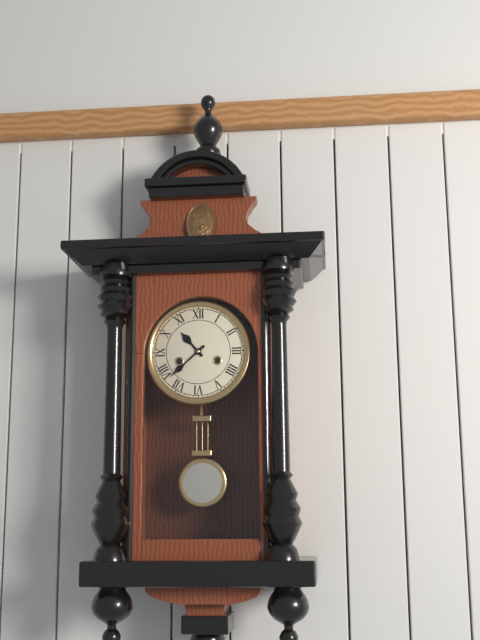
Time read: 10:38
